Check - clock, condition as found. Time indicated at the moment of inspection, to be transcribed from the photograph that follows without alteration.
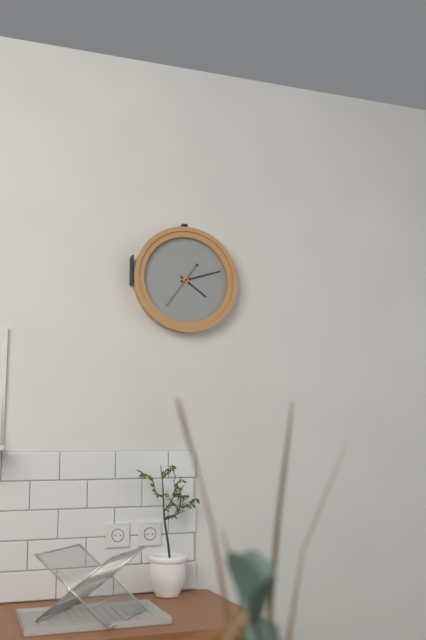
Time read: 4:12
